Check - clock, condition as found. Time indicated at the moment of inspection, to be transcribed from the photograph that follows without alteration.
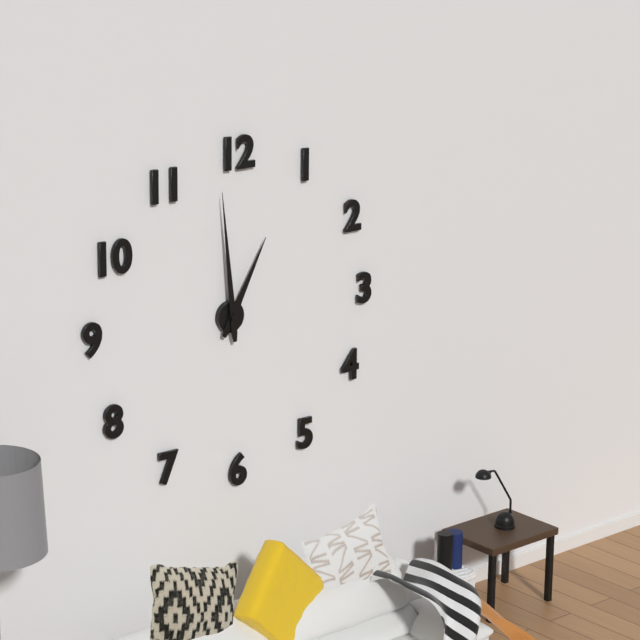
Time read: 12:59
